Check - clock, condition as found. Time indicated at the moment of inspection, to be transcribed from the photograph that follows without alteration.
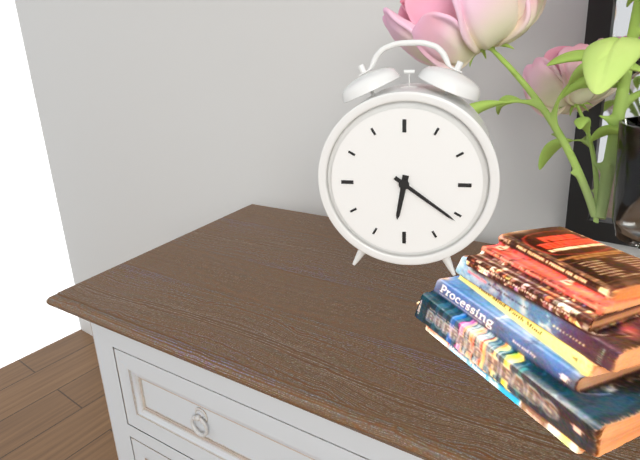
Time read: 6:21
